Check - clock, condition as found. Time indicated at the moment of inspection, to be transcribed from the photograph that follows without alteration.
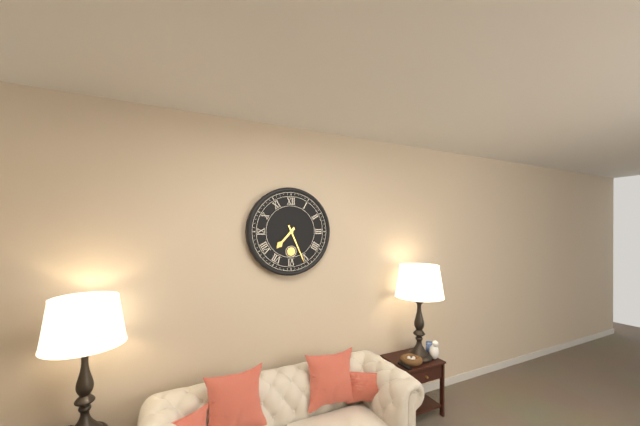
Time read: 7:26
